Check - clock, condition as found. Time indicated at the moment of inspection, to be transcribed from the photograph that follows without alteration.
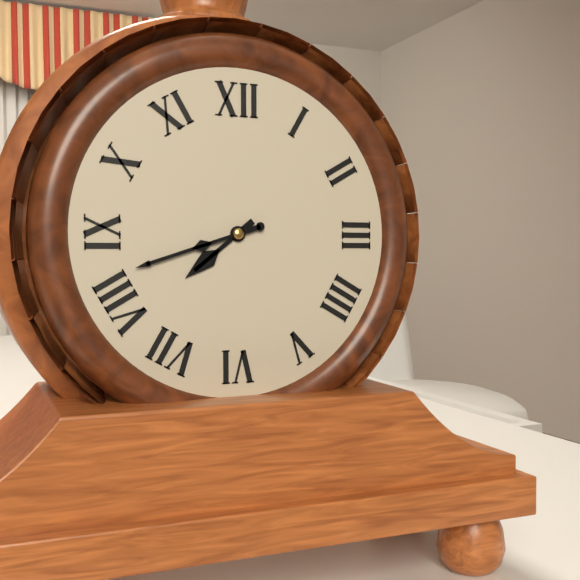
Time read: 7:42
